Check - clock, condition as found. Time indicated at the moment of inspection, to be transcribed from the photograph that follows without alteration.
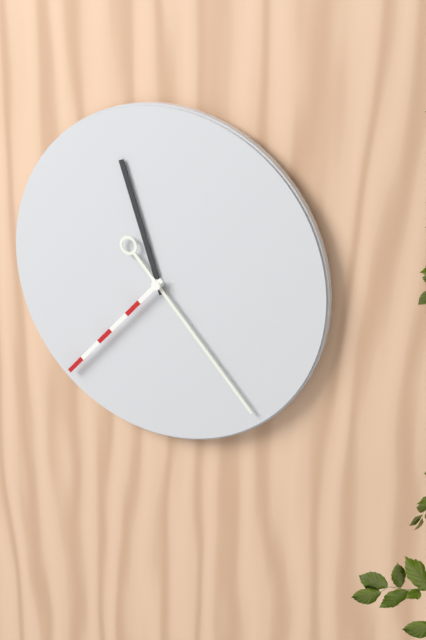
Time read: 11:23:37
